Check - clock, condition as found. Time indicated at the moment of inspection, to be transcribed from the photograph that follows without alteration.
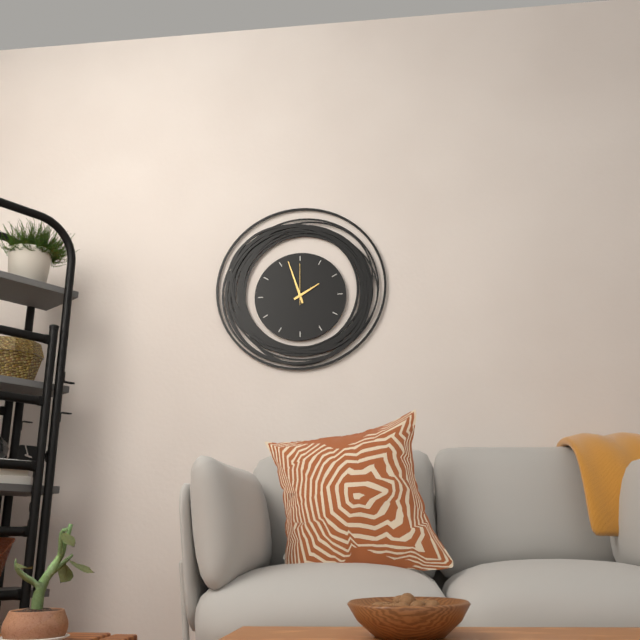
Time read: 1:57
